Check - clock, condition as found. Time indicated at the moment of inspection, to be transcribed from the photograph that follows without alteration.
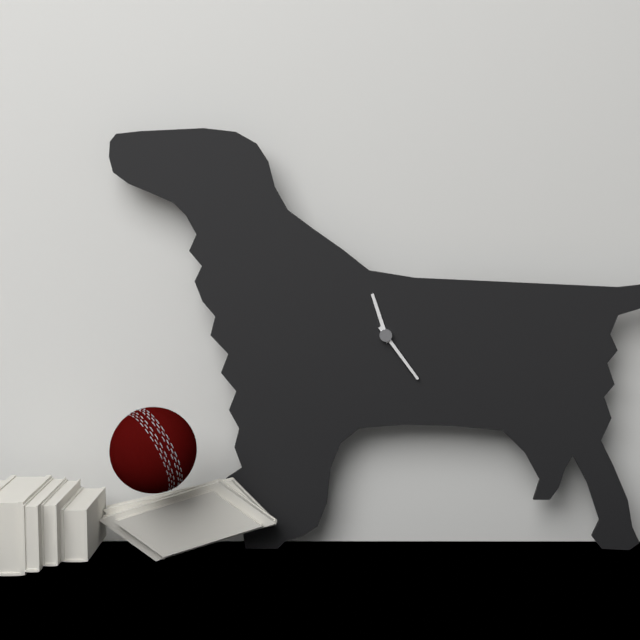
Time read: 11:24
